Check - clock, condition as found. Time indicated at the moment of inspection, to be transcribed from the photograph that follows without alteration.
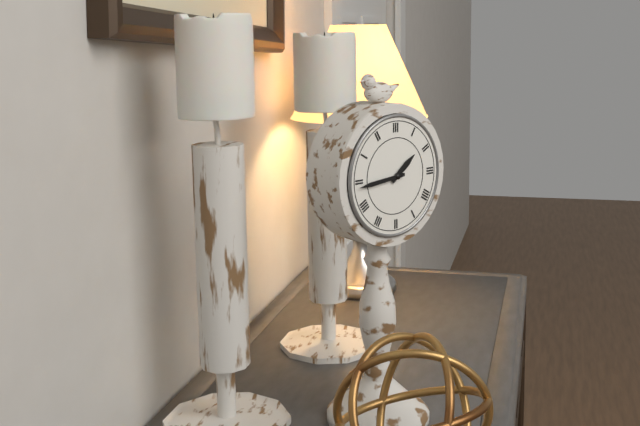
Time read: 1:44
